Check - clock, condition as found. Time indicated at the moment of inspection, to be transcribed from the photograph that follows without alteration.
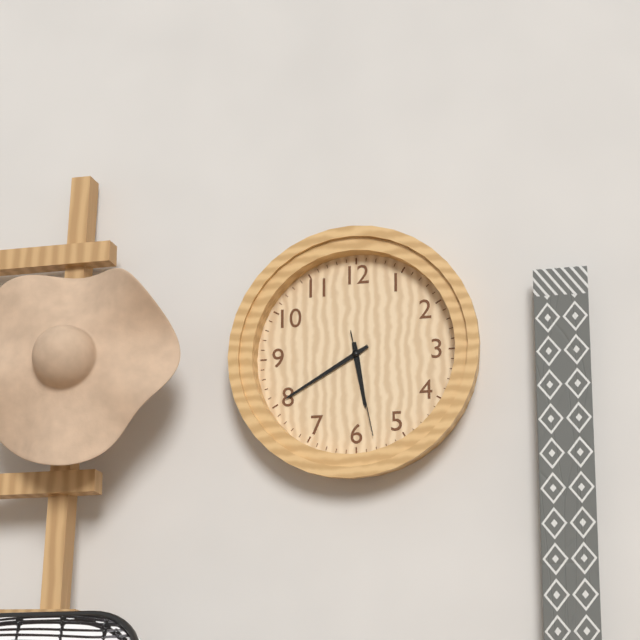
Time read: 5:40:28
